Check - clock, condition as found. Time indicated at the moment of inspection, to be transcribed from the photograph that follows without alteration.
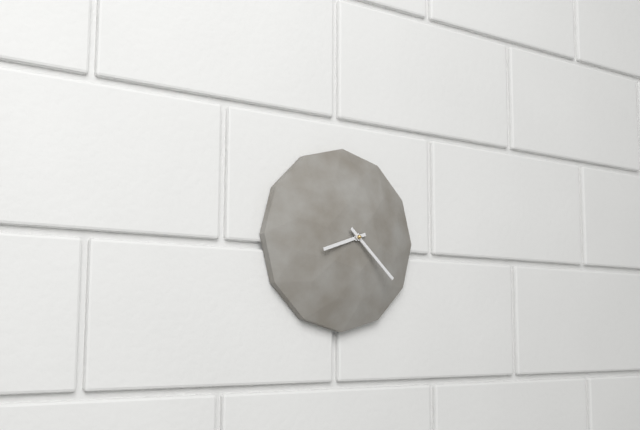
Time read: 8:22
